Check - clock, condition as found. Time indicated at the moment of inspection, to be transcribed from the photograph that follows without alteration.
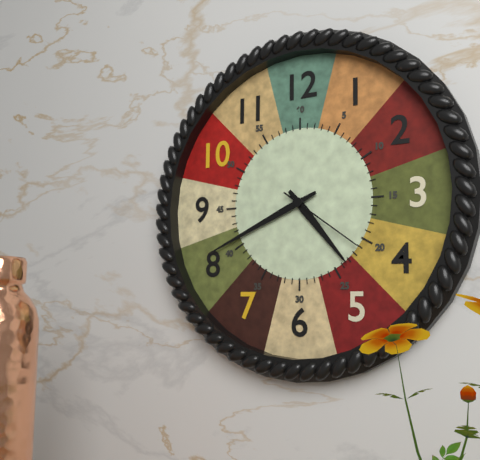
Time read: 4:41:21
